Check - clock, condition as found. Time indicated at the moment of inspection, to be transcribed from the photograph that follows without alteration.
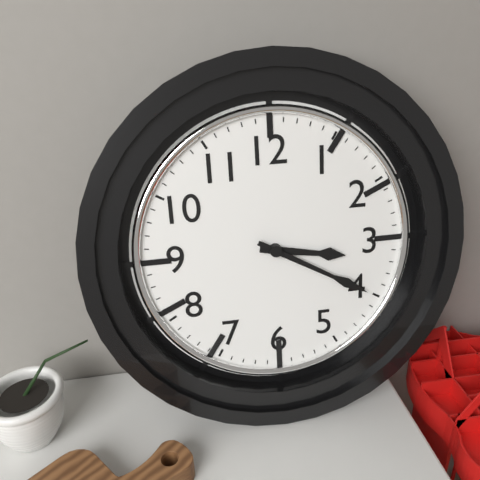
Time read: 3:20
